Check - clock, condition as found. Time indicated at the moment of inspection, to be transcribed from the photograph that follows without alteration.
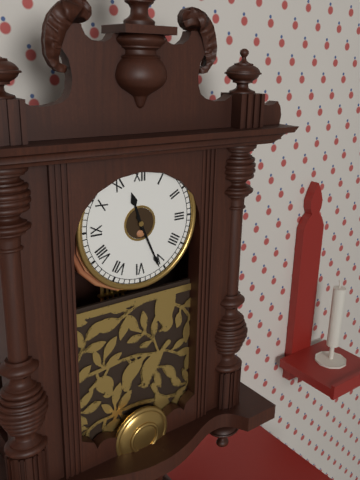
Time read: 11:26
